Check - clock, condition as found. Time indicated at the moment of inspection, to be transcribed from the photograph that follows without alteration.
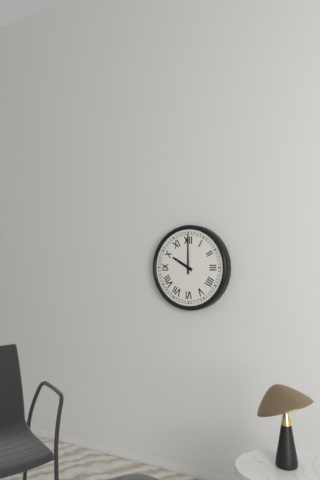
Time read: 10:00
